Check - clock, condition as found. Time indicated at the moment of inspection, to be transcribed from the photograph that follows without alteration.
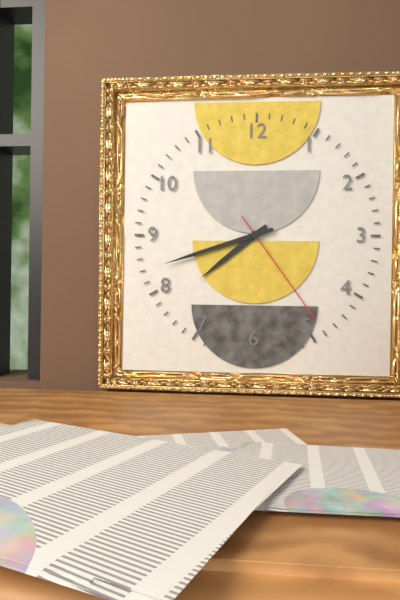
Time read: 7:42:24
